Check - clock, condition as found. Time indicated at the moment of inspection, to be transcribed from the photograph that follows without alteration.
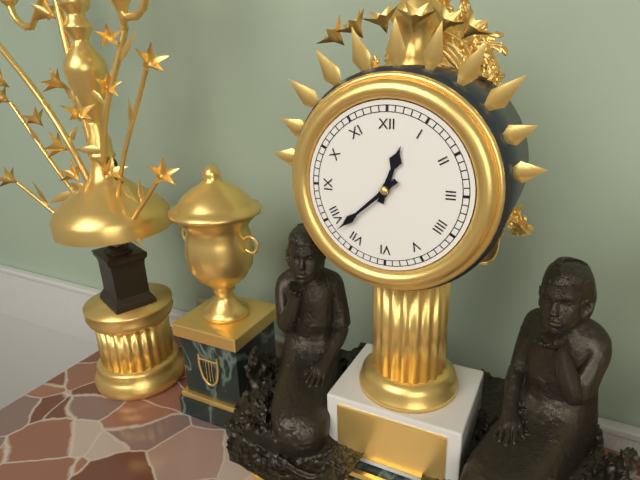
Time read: 12:38
